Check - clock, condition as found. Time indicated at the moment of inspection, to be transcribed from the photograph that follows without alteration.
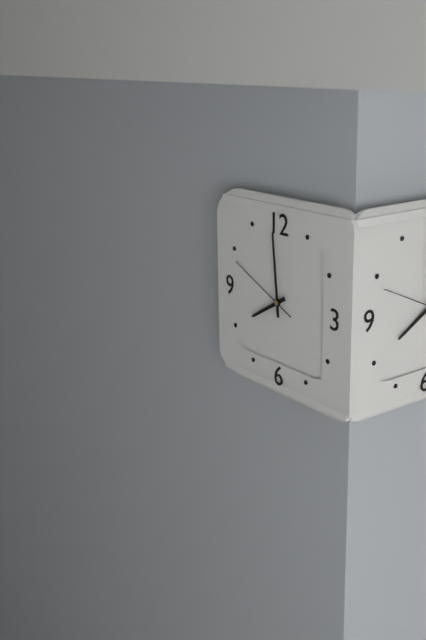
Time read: 7:59:49
